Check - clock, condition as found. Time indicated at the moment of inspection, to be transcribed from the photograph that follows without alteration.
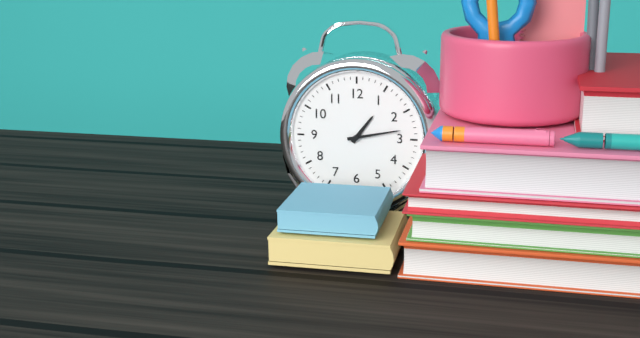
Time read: 1:13
